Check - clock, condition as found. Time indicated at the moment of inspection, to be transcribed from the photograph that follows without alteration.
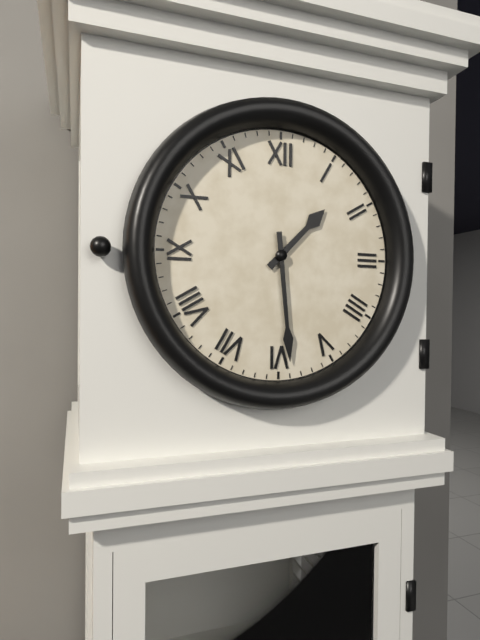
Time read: 1:29
